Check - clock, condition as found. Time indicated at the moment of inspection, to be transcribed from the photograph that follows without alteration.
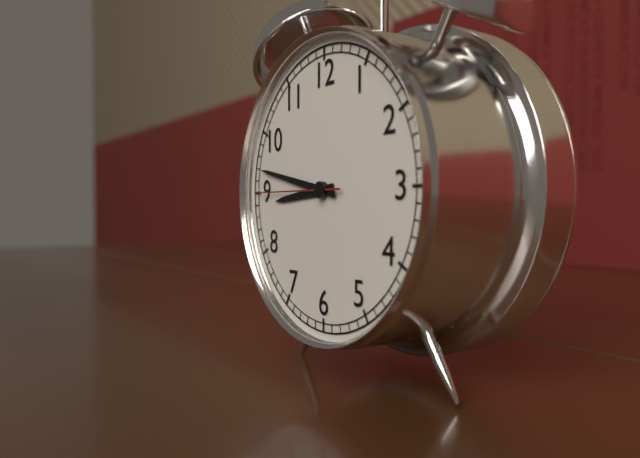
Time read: 8:47:45
